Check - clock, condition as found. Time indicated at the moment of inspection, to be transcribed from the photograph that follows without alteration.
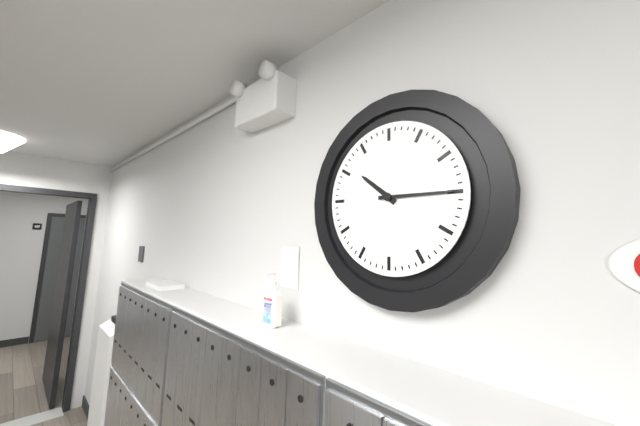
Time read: 10:15
